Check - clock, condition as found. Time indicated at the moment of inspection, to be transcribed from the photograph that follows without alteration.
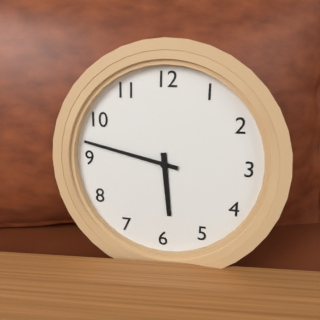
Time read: 5:47
